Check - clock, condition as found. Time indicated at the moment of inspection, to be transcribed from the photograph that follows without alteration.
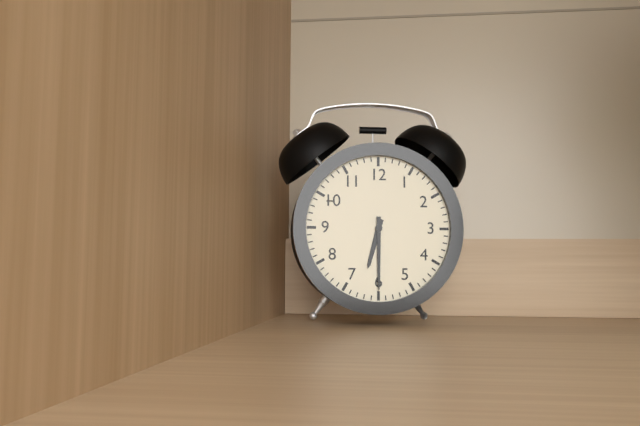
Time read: 6:30
